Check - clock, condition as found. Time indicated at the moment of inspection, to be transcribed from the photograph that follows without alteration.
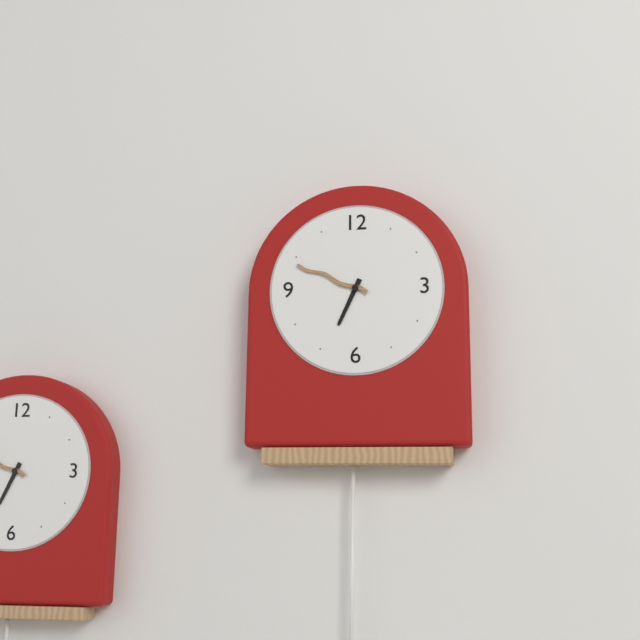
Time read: 6:49
